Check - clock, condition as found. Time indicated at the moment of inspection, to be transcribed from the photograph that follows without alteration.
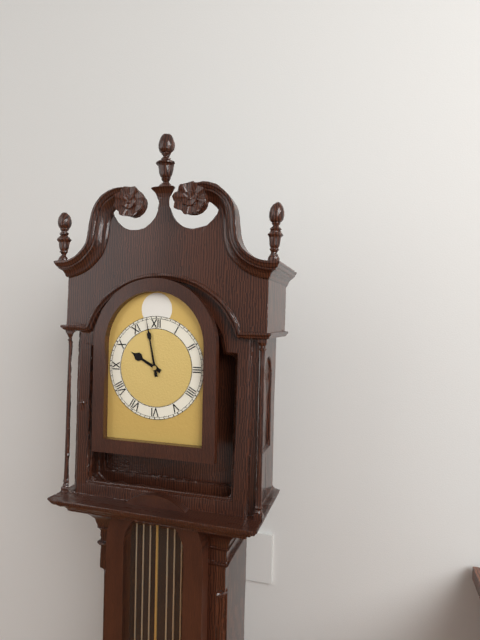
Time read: 9:58
